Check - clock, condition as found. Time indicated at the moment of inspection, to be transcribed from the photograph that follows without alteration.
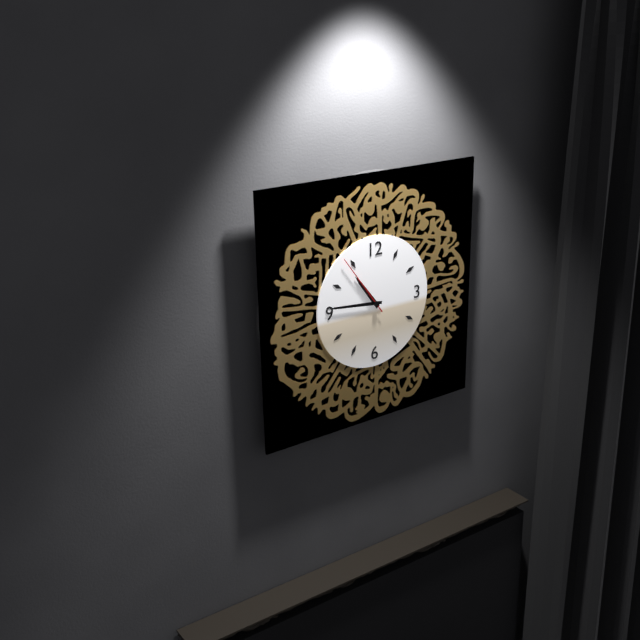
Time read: 10:46:54
